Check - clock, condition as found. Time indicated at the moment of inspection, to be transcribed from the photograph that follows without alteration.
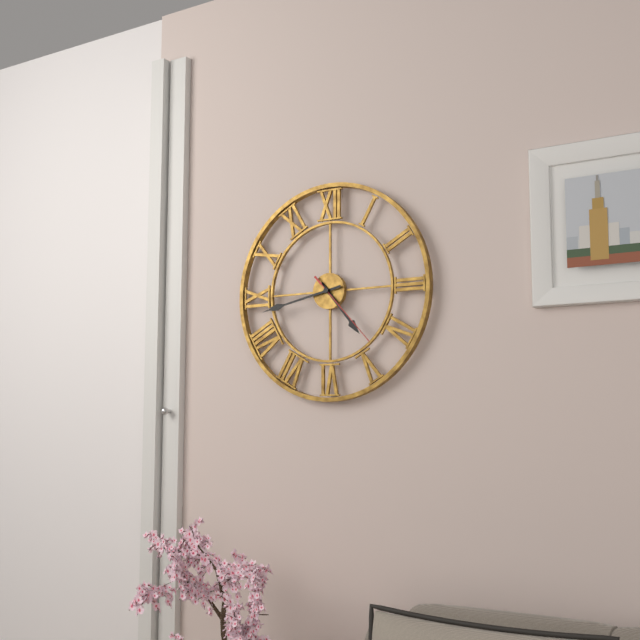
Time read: 4:43:23
